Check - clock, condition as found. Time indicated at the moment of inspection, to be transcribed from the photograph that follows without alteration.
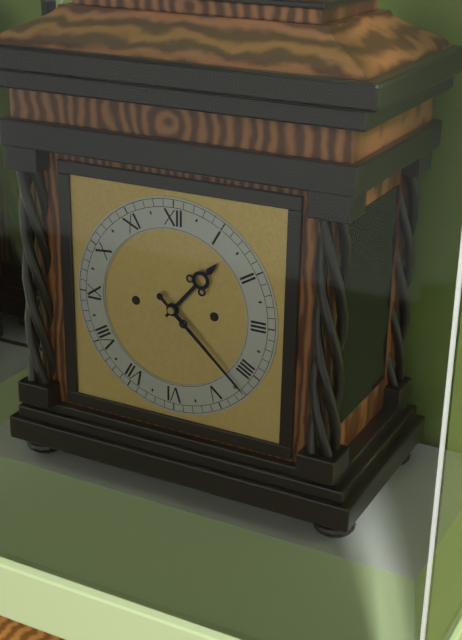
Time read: 1:22
